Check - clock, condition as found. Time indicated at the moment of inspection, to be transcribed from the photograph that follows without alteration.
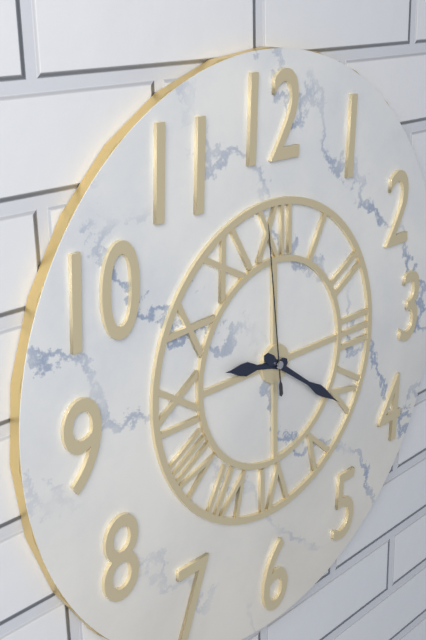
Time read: 9:21:59
